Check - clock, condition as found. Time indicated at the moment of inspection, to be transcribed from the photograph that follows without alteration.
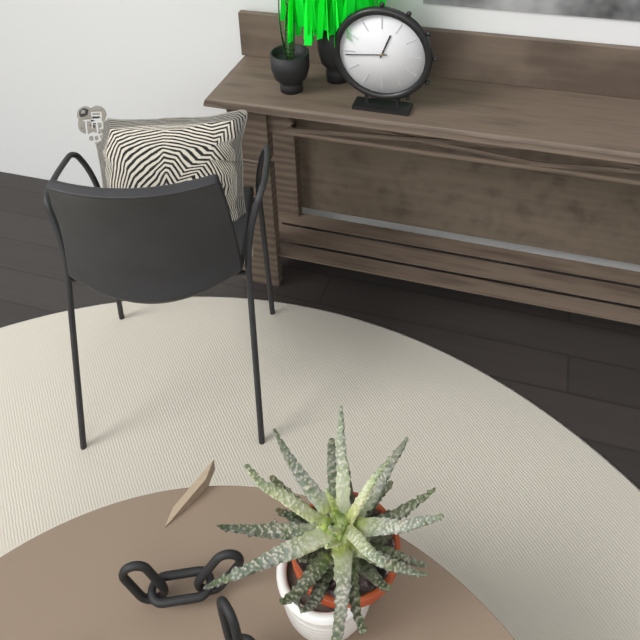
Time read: 12:44
